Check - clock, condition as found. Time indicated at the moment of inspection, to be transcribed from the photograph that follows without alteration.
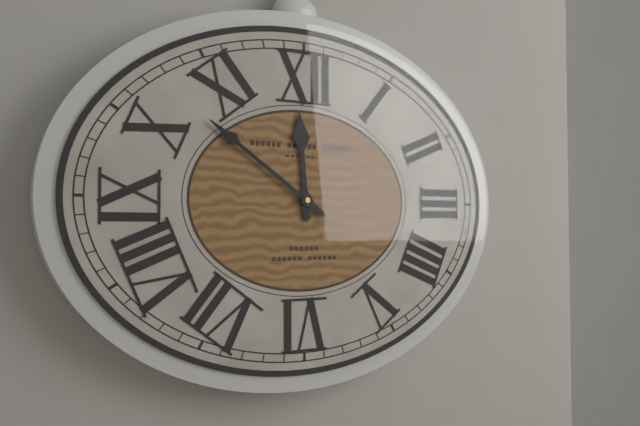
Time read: 11:51
